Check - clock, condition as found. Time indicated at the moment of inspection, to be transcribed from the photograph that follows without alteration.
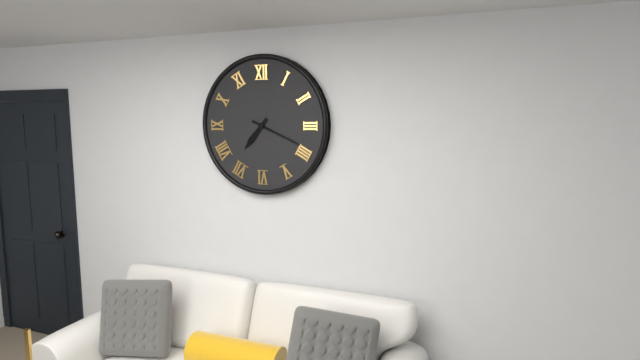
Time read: 7:19
